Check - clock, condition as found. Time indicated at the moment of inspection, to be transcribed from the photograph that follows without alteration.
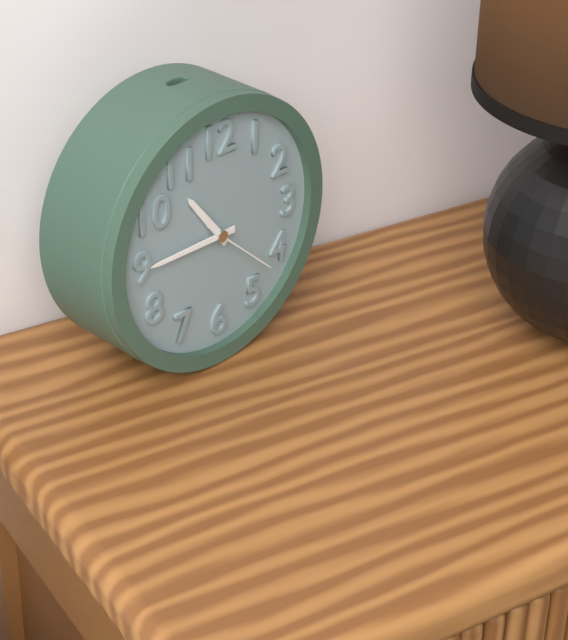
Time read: 10:45:22
